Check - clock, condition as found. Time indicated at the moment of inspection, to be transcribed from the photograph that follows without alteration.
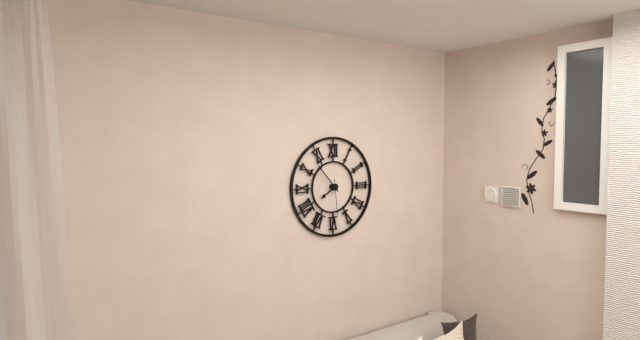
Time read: 7:53
